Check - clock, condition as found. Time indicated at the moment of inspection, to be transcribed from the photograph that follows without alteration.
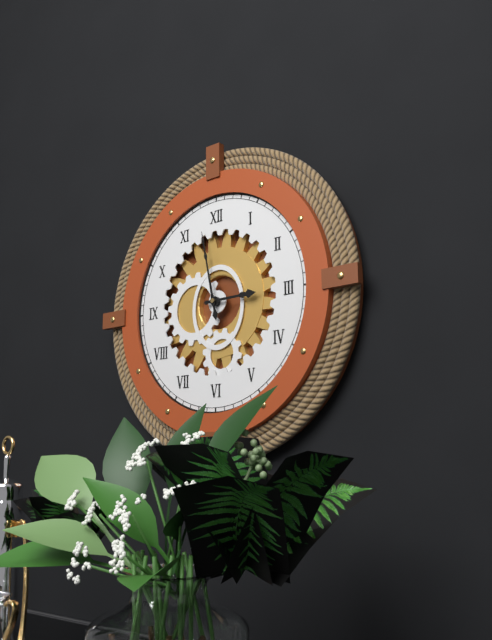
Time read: 2:58
